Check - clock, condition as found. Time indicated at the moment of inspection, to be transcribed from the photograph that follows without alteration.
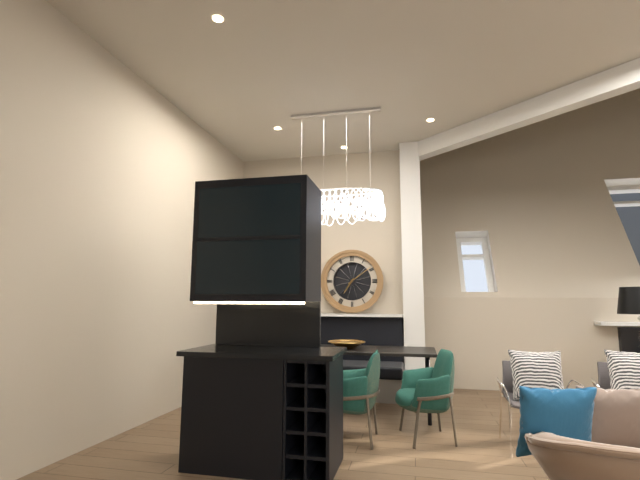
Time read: 7:09
